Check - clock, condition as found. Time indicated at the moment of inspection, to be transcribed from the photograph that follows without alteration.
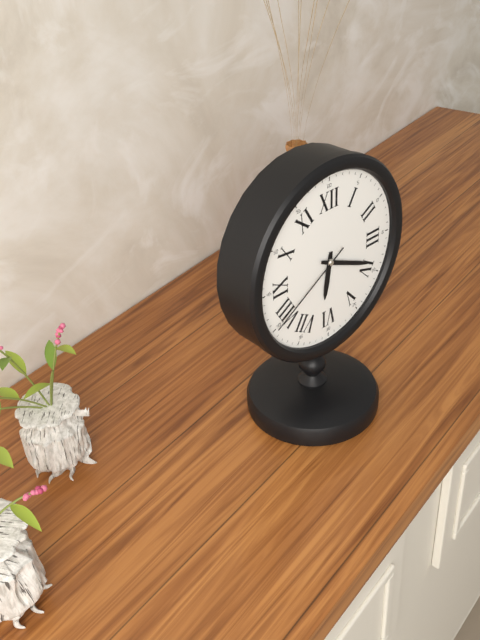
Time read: 6:19:40
